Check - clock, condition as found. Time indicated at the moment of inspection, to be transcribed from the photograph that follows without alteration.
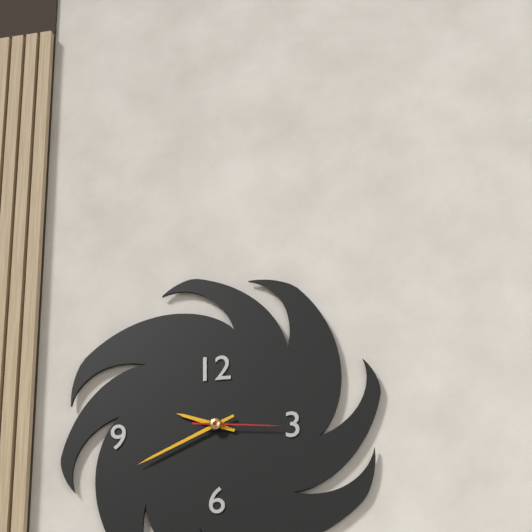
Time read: 9:41:16
